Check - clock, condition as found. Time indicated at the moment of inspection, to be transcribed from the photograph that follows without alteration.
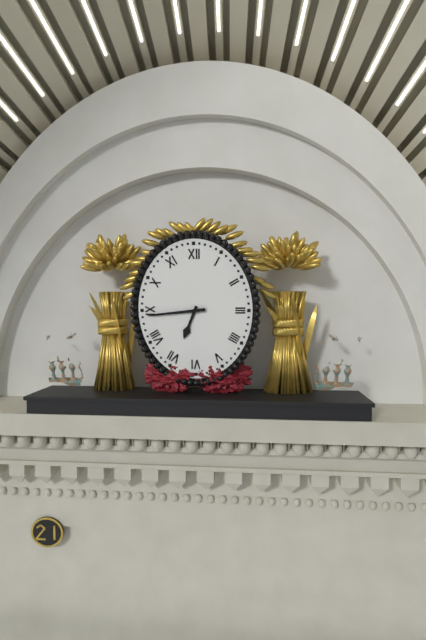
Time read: 6:44
